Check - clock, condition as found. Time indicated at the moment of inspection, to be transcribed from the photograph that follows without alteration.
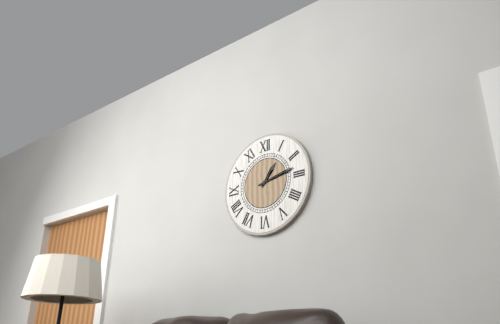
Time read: 1:13
